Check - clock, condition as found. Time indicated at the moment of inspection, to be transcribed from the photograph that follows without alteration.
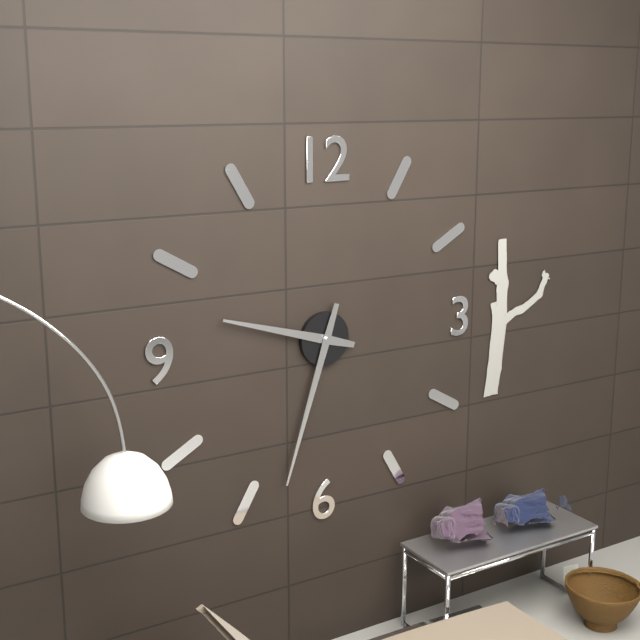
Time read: 9:33
